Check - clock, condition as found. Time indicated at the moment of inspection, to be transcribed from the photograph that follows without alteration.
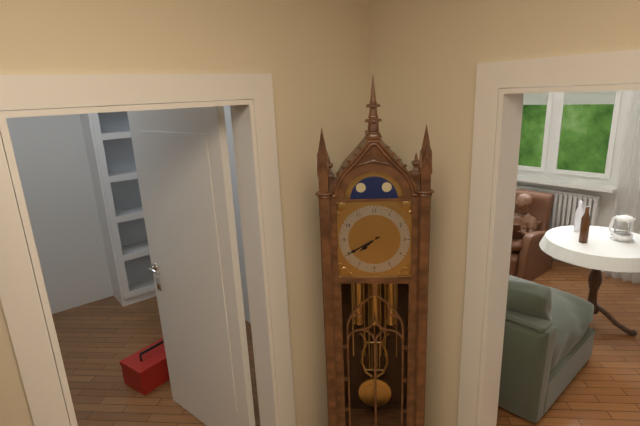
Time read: 7:40
